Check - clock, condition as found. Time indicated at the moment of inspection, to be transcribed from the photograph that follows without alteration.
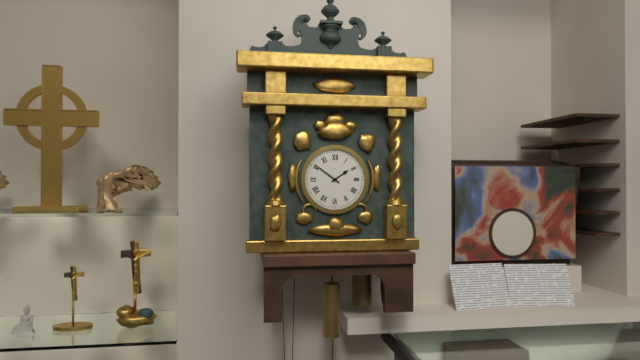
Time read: 1:51
